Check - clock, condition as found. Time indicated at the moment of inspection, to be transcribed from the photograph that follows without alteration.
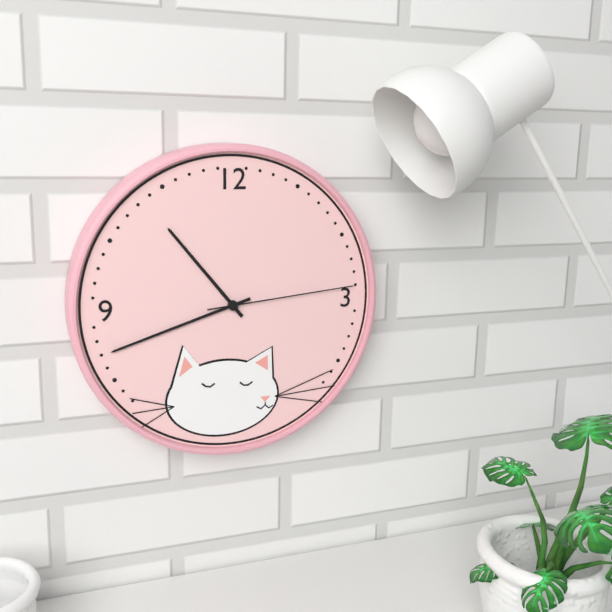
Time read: 10:42:14
